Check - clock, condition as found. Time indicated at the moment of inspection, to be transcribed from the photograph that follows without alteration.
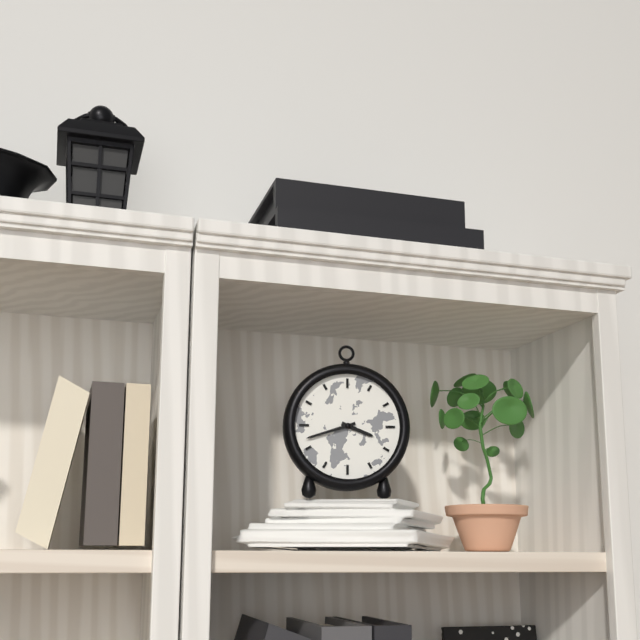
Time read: 3:42
